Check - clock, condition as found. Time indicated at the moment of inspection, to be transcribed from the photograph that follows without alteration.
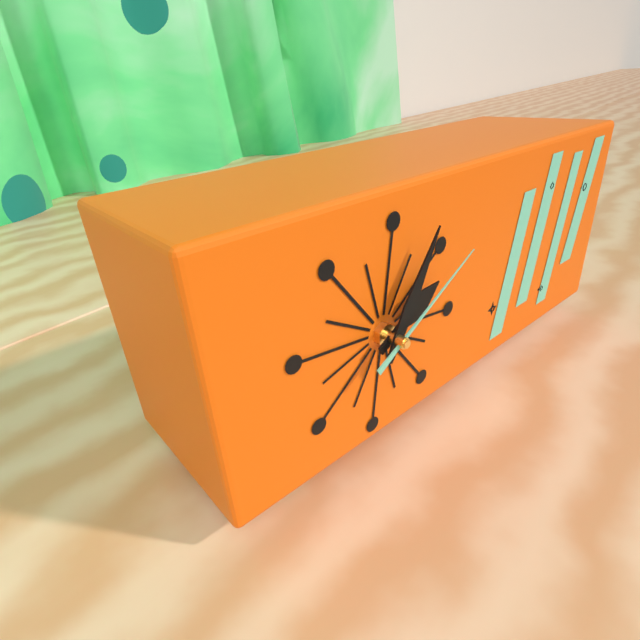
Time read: 2:05:10
